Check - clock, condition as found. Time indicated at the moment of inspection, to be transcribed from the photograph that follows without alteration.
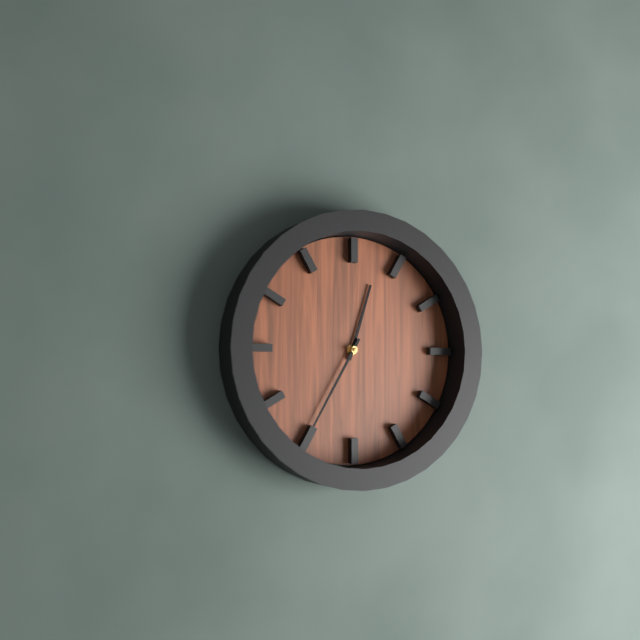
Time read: 12:35
